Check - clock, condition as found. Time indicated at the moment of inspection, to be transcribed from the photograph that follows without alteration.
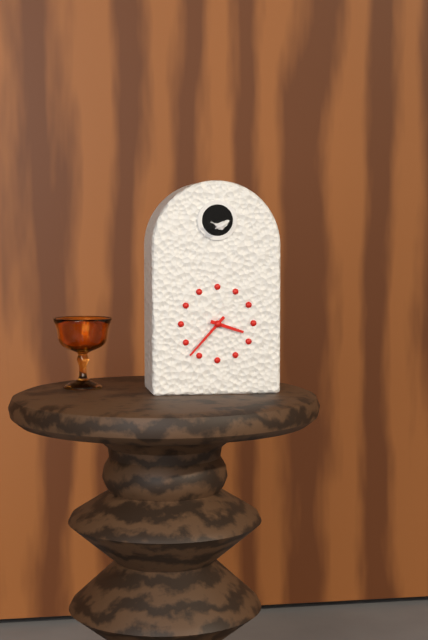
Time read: 3:37
